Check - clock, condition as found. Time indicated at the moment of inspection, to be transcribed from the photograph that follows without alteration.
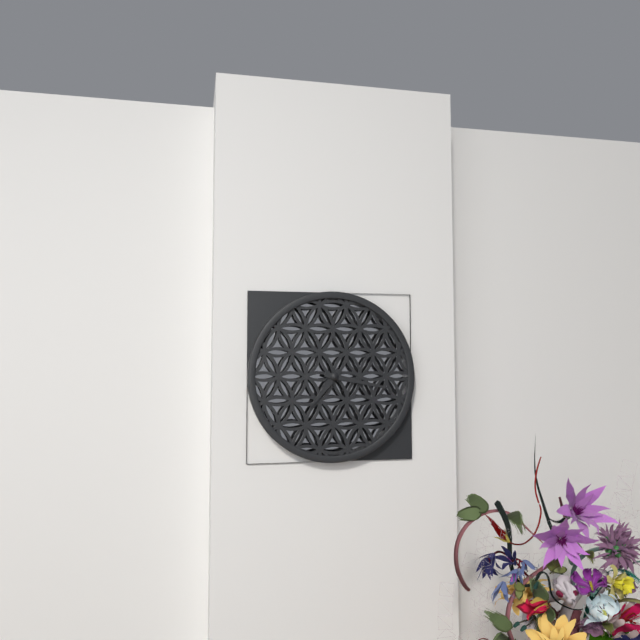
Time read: 7:17
